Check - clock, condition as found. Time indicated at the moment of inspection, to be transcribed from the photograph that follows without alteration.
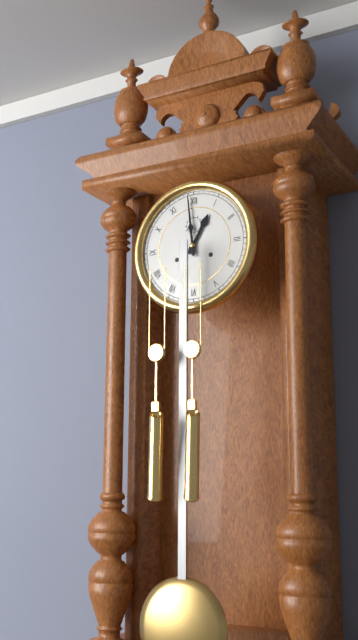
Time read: 12:59
